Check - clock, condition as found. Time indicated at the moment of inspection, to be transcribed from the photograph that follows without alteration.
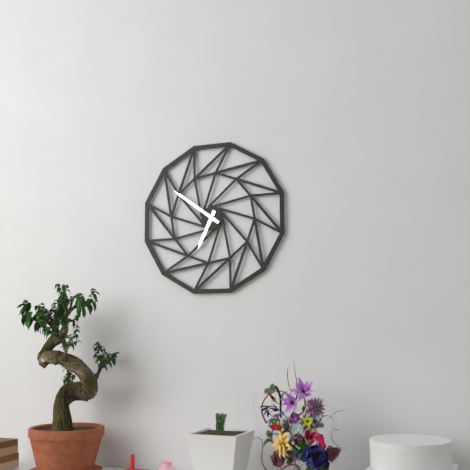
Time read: 6:51
